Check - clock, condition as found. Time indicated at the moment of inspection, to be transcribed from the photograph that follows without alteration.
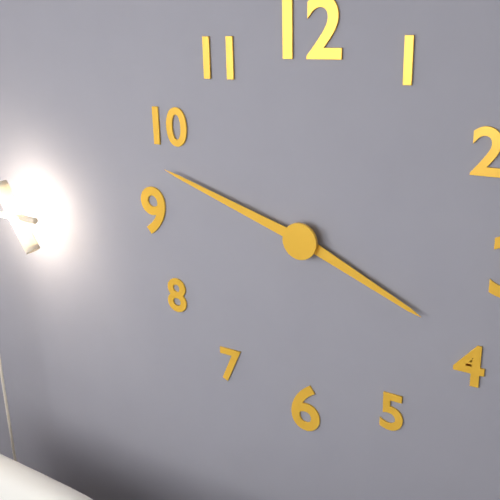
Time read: 3:48
